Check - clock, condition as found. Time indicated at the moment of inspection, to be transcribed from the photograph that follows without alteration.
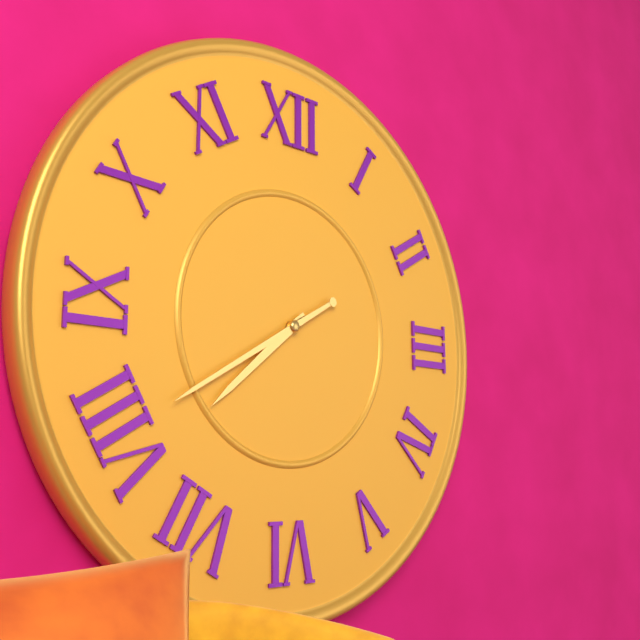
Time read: 7:40
